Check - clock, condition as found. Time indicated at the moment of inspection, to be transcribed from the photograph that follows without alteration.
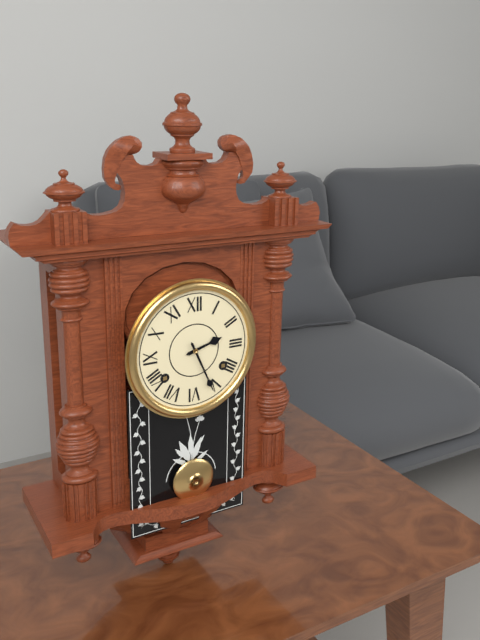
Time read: 2:26
